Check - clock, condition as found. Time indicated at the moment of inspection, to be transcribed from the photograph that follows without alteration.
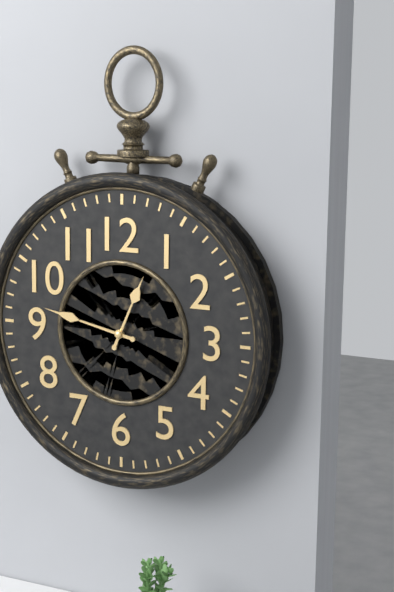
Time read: 12:47
